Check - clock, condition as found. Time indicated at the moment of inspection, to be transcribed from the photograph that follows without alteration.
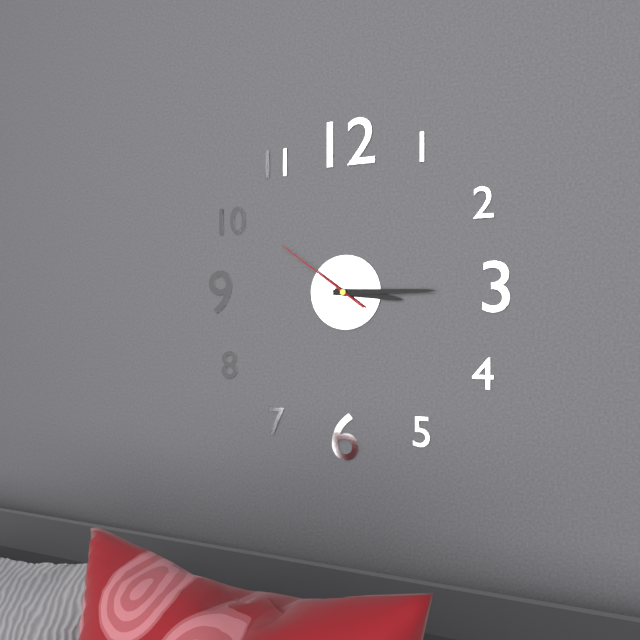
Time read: 3:15:51
